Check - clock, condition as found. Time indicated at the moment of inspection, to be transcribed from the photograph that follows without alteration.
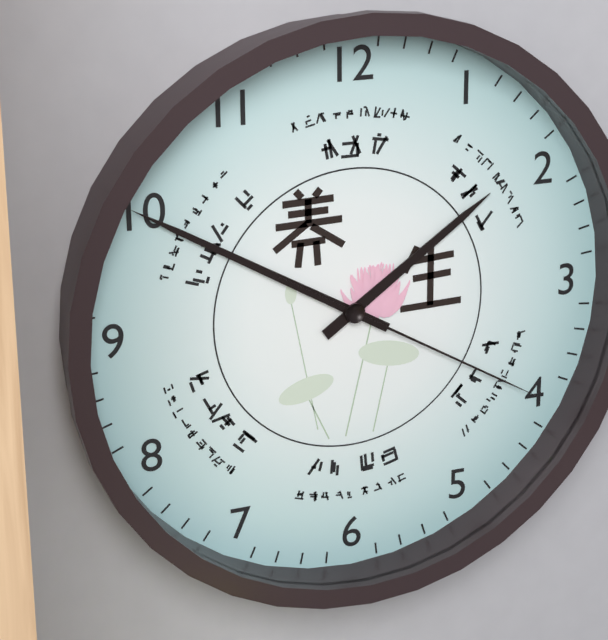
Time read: 1:50:20
